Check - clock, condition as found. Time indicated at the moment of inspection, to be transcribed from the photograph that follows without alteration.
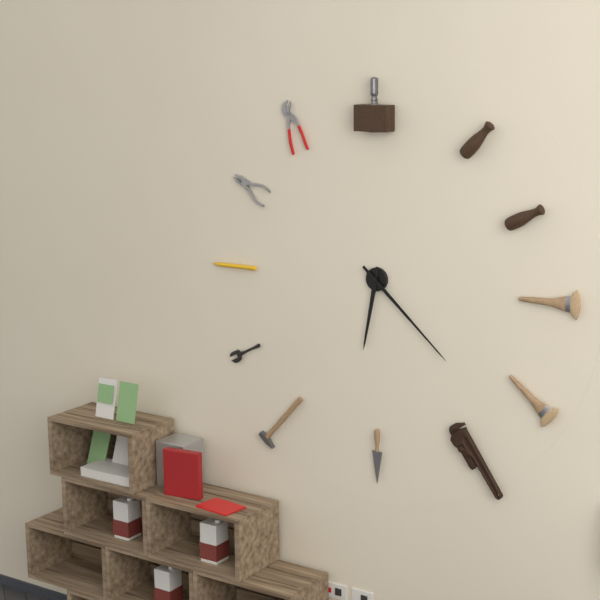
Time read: 6:22
